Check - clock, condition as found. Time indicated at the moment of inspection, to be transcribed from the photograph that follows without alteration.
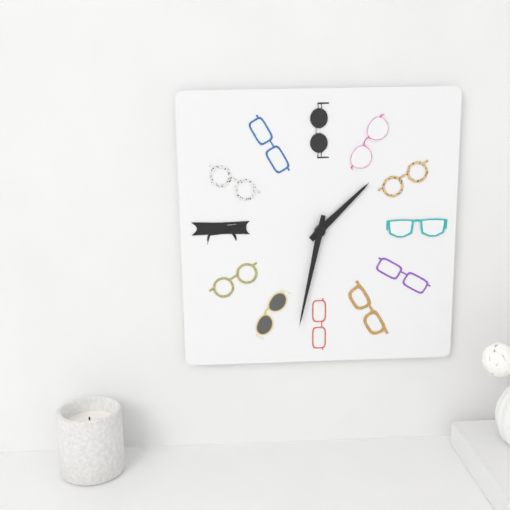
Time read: 1:32
